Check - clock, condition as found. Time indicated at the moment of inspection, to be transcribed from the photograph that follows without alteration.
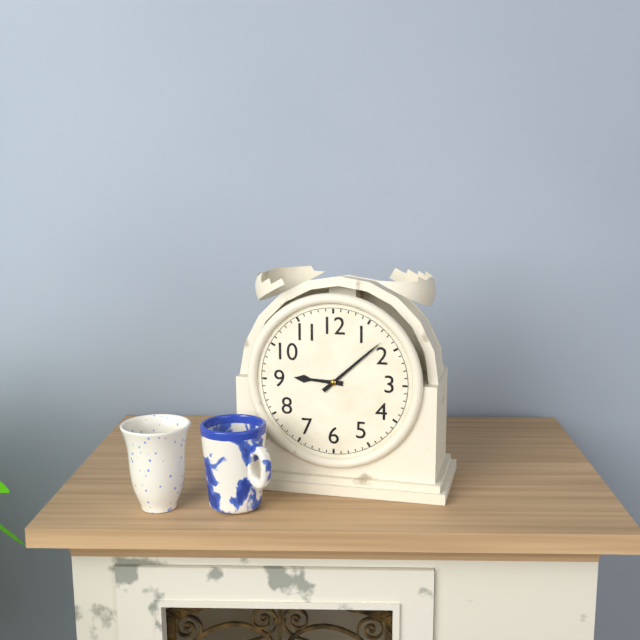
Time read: 9:08
